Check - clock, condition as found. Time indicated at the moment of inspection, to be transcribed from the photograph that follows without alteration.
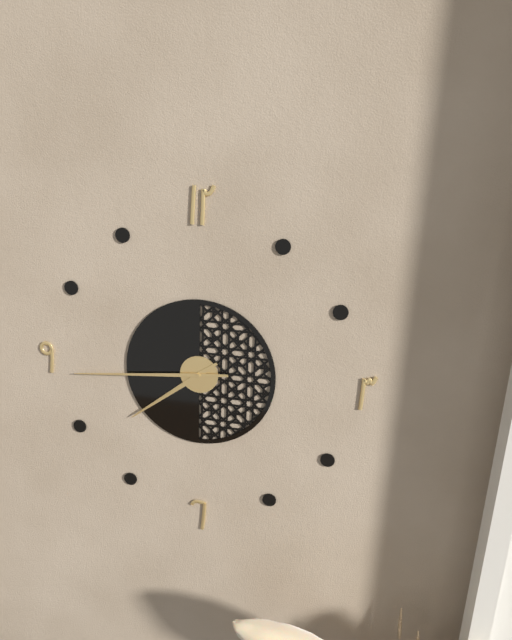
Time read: 7:44
